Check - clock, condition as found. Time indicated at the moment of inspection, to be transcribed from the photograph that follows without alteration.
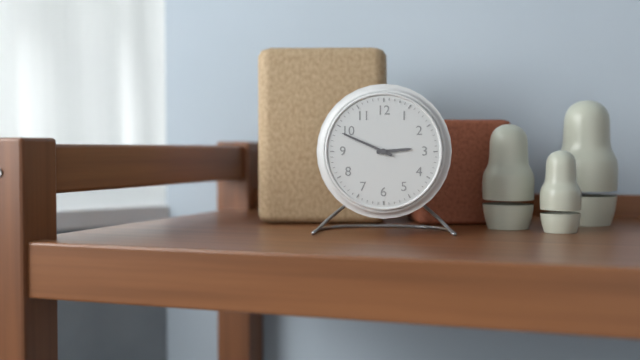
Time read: 2:49
